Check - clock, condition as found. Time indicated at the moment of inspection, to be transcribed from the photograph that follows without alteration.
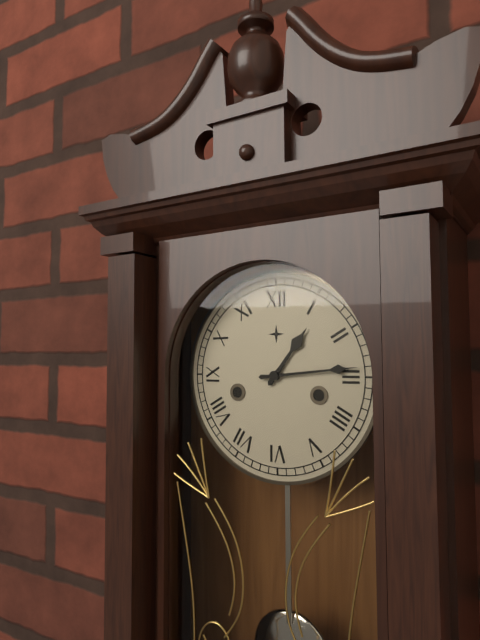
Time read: 1:14
